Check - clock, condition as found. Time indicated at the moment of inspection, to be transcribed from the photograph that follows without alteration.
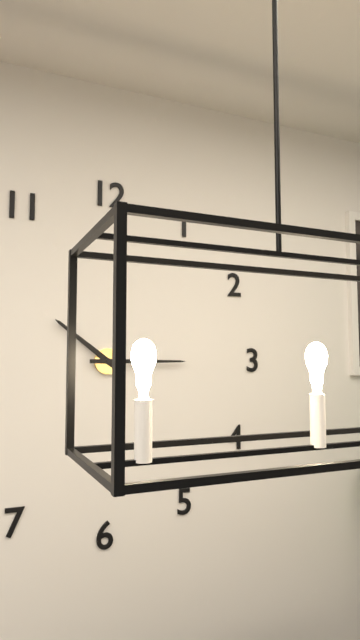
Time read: 10:15
